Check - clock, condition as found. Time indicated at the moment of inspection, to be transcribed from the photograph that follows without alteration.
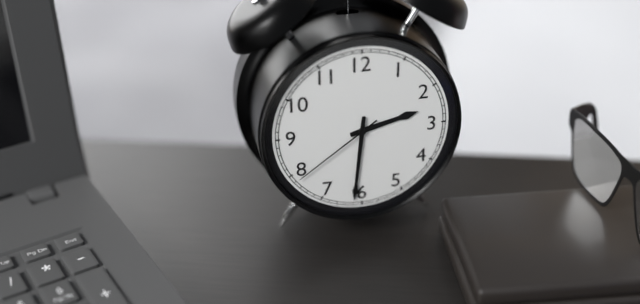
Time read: 2:31:39
